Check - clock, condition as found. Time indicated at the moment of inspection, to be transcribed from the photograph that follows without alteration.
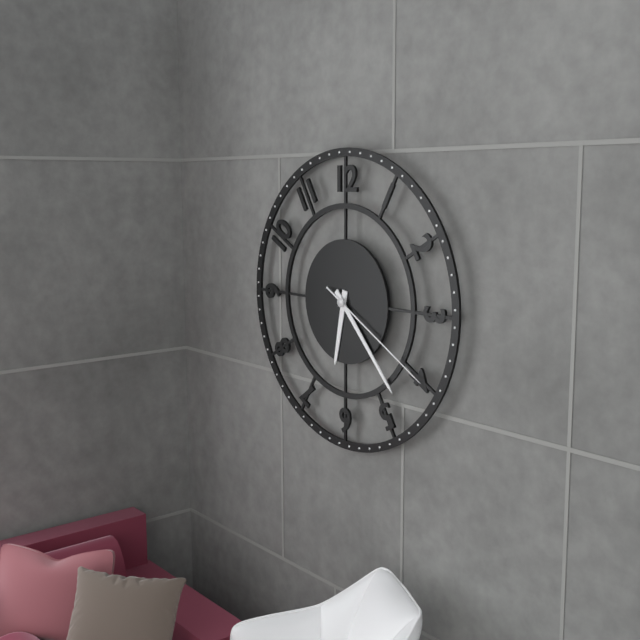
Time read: 6:23:20
